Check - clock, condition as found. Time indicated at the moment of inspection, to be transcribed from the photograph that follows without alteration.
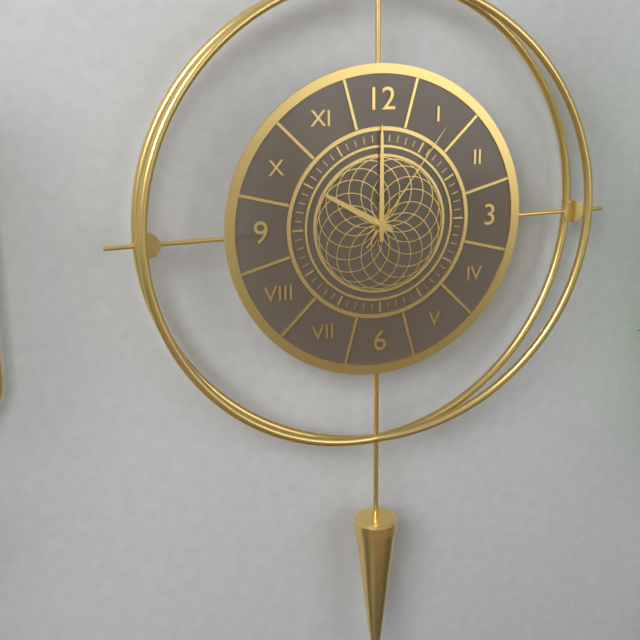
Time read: 10:00:06
